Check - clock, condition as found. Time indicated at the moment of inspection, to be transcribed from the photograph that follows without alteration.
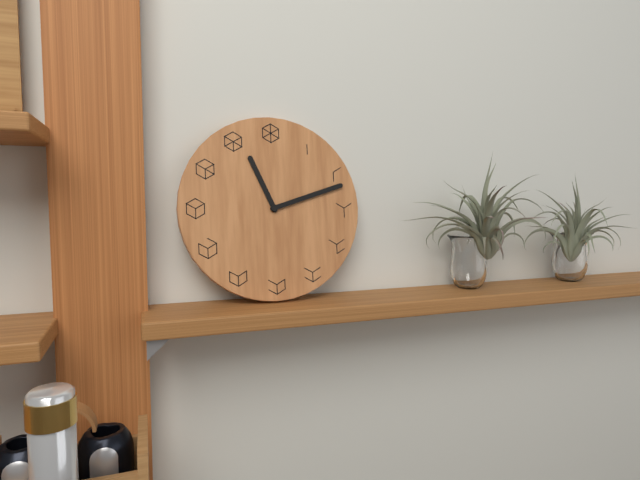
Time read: 11:12
